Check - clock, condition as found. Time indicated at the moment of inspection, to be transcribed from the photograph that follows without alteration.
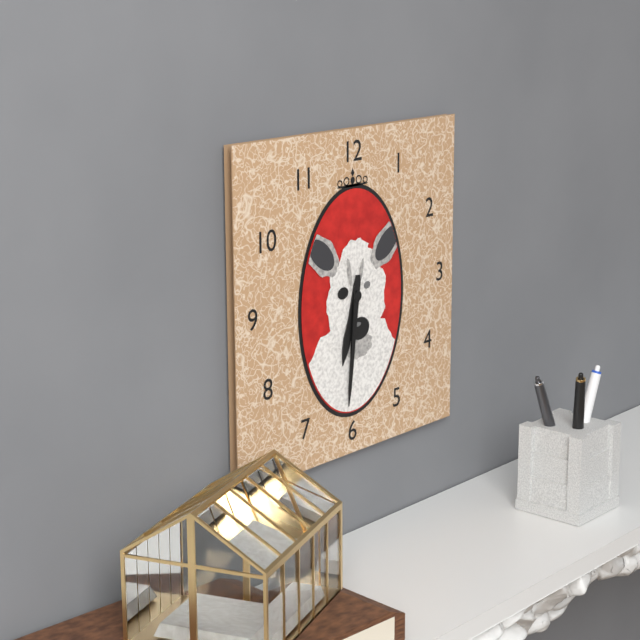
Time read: 6:31
